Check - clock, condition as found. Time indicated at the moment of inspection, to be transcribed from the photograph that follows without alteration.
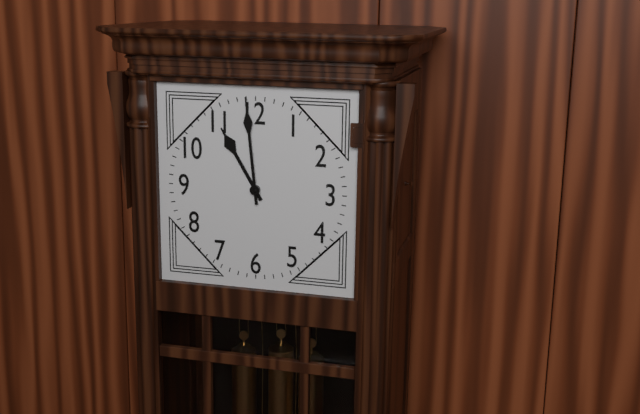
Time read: 10:59
